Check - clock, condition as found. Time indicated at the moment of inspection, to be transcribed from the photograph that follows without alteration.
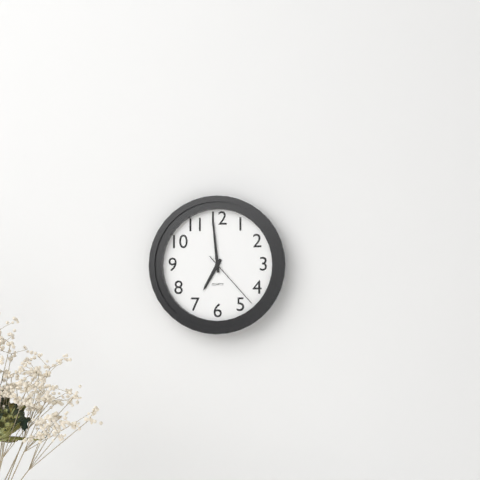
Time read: 6:59:23
